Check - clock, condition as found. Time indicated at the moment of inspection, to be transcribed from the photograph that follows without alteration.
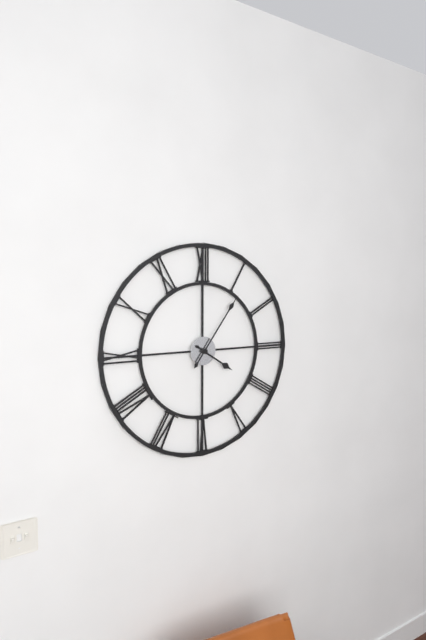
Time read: 4:06
